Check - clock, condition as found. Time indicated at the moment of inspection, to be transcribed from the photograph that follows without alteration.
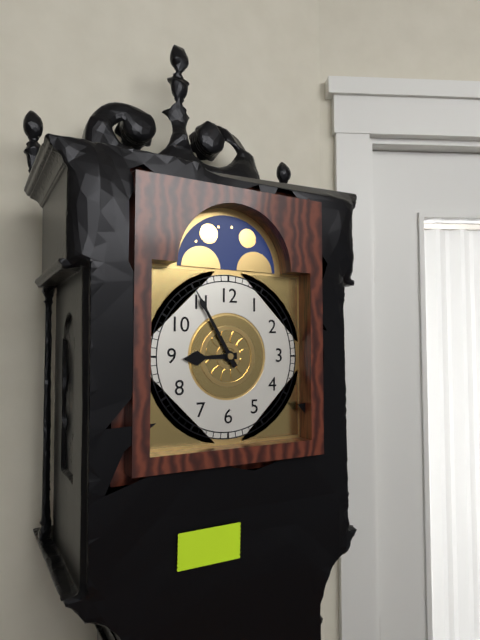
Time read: 8:55
